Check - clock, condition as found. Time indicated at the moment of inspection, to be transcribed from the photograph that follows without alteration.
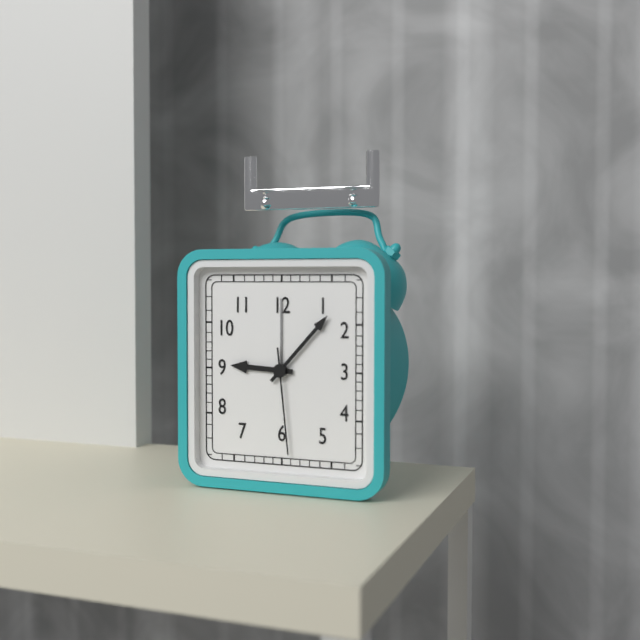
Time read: 9:07:29
